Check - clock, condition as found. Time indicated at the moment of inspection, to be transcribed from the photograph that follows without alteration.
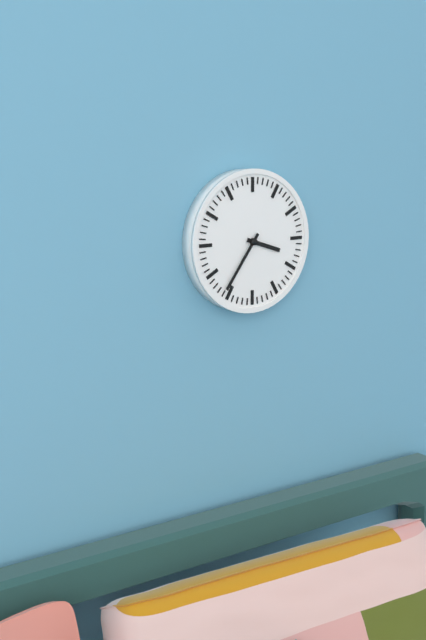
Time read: 3:36
